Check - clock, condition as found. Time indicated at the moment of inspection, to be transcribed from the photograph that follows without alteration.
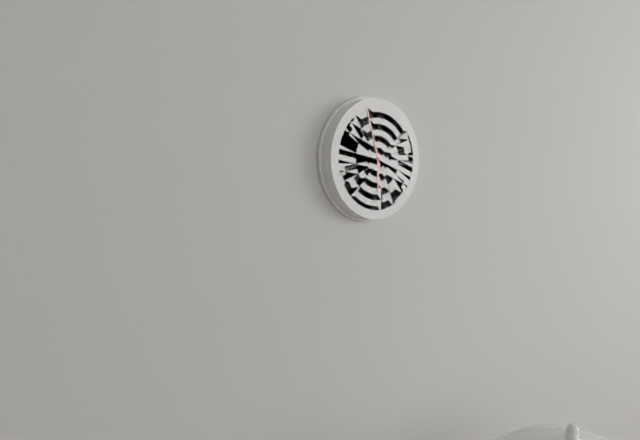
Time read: 5:57
